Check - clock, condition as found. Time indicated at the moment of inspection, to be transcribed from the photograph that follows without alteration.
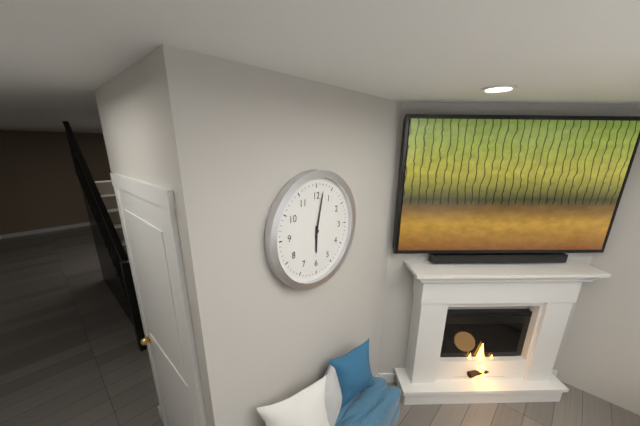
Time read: 6:02
